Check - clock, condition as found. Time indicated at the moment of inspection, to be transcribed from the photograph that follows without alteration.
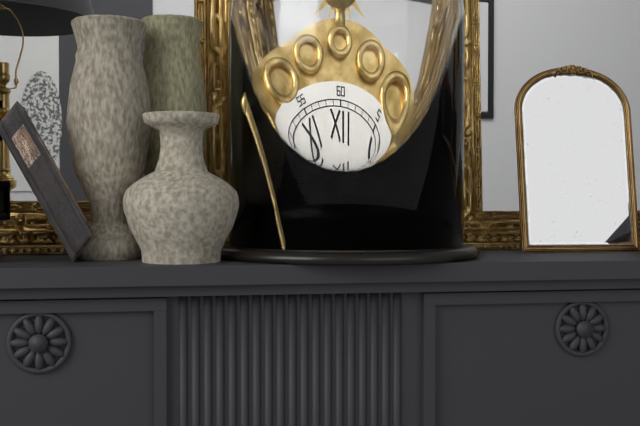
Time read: 8:14
